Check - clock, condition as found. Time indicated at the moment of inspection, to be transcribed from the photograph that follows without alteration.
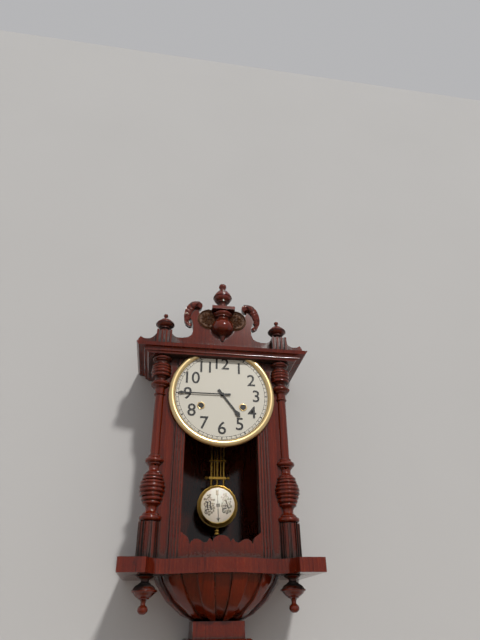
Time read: 4:45
